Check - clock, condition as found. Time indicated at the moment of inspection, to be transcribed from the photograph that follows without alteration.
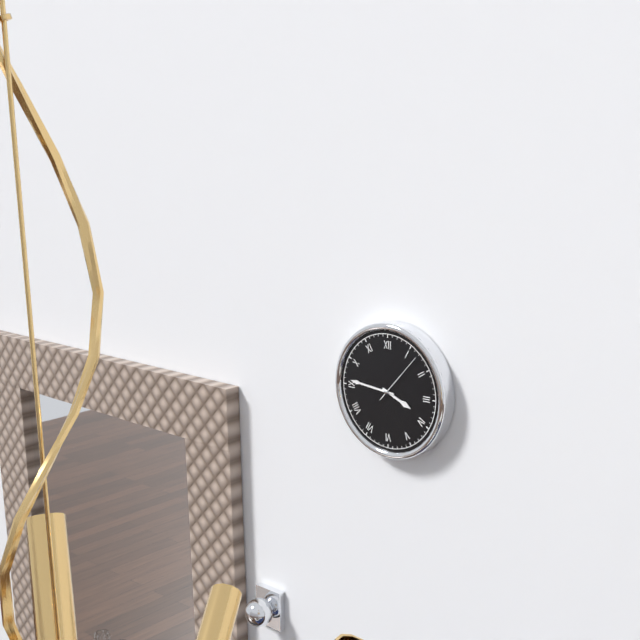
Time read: 3:46
